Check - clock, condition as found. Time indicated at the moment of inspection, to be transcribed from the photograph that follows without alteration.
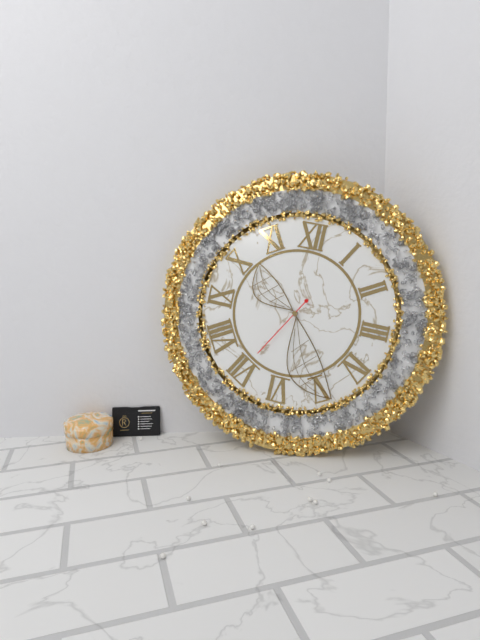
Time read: 10:24:35
